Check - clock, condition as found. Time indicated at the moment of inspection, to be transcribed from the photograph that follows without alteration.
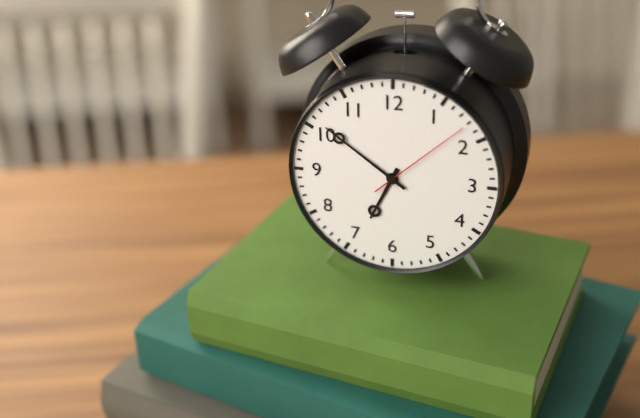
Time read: 6:51:08
